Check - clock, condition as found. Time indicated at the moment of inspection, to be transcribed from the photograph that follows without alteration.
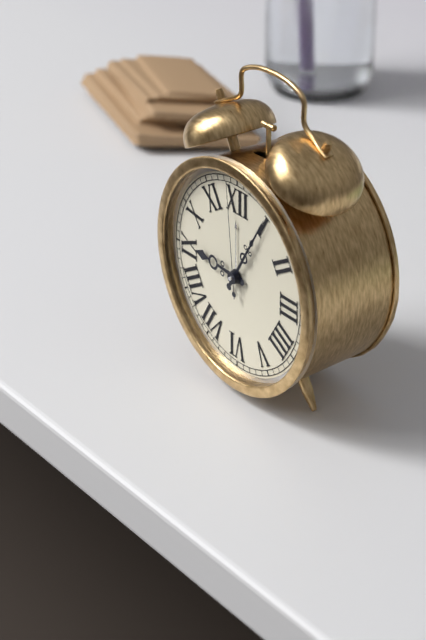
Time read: 9:05:59
